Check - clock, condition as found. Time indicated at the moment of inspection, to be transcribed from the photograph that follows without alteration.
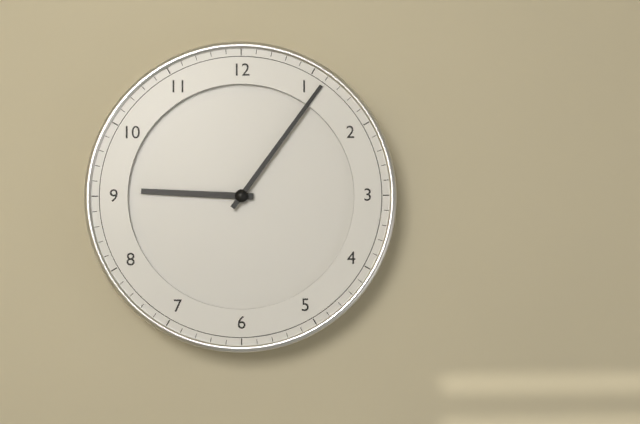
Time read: 9:06
